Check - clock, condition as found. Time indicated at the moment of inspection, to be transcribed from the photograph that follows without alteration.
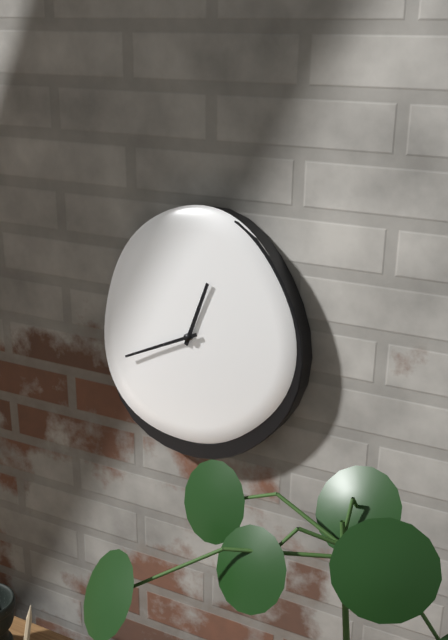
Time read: 12:41
